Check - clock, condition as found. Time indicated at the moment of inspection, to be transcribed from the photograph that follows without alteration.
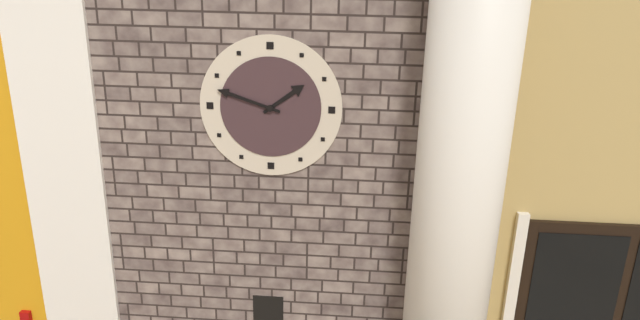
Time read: 1:48
